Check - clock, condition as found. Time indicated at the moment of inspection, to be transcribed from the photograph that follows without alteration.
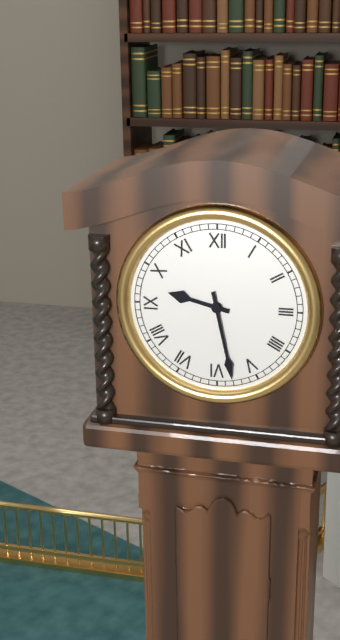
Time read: 9:28
